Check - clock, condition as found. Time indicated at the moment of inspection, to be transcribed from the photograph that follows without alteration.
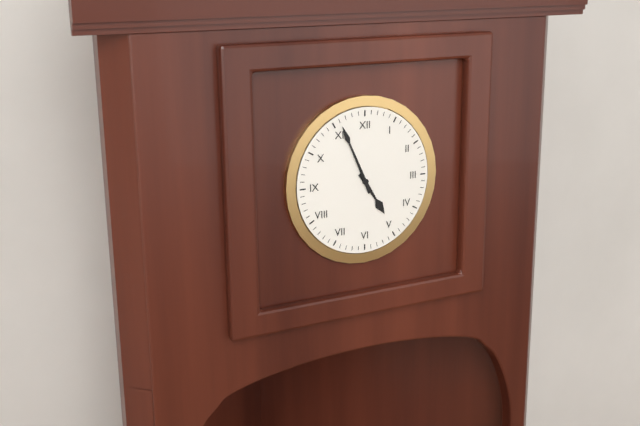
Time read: 4:56
